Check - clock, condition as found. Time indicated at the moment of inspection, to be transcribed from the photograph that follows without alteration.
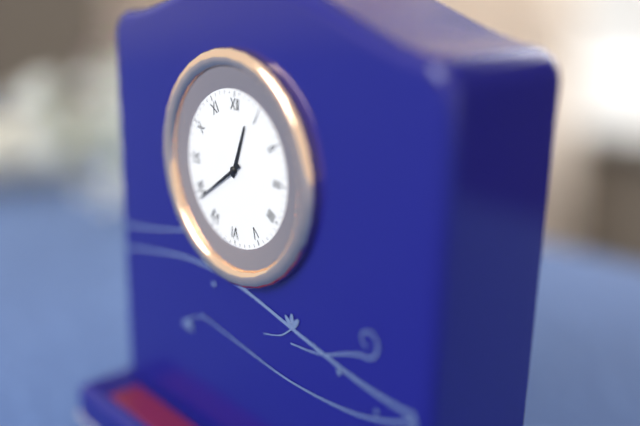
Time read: 12:39
